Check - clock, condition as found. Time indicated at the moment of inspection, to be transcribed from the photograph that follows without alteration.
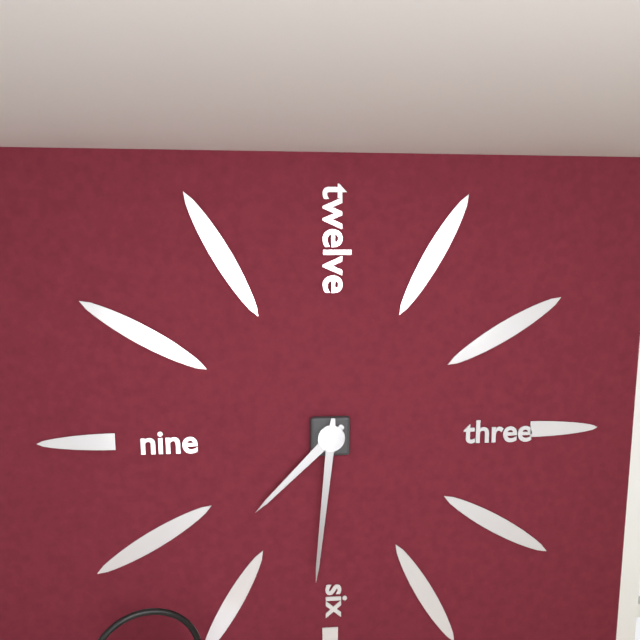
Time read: 7:31
